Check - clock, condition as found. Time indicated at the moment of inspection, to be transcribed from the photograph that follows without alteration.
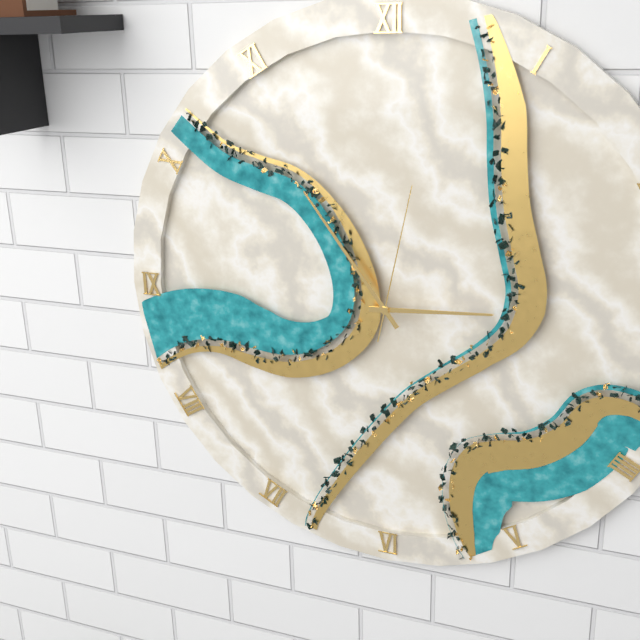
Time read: 2:54:02
